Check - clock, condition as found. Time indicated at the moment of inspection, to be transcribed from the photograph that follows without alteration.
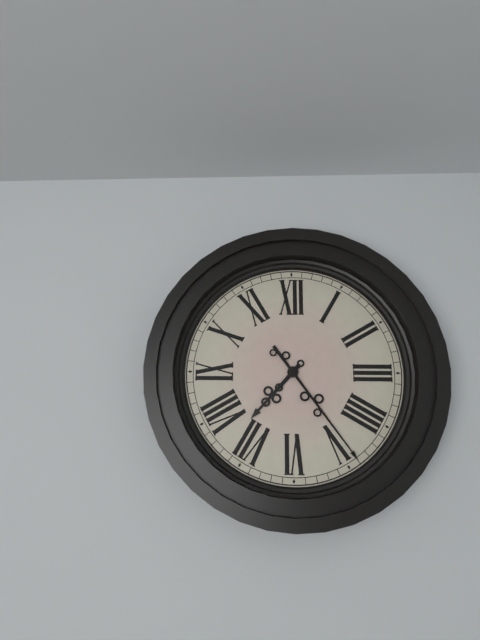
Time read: 7:24
